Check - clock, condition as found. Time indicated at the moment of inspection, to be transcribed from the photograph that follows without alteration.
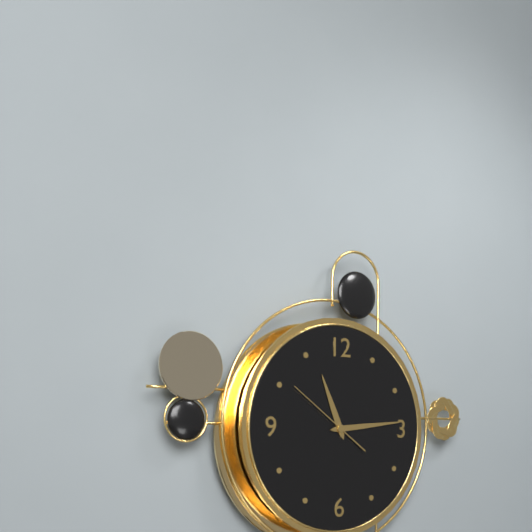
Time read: 11:14:51
